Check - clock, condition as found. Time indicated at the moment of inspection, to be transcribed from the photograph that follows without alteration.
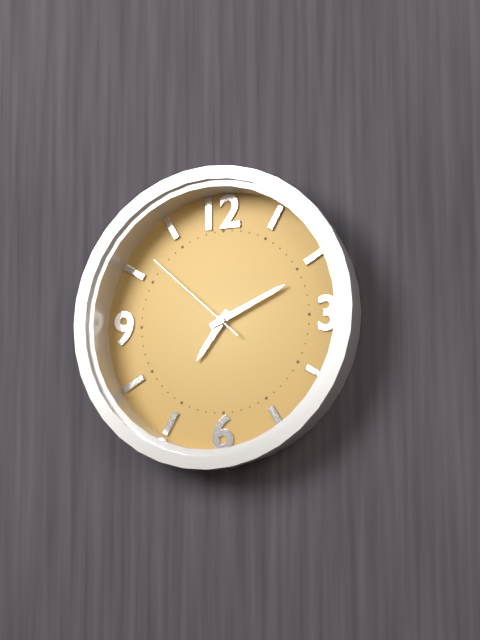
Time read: 7:11:52
